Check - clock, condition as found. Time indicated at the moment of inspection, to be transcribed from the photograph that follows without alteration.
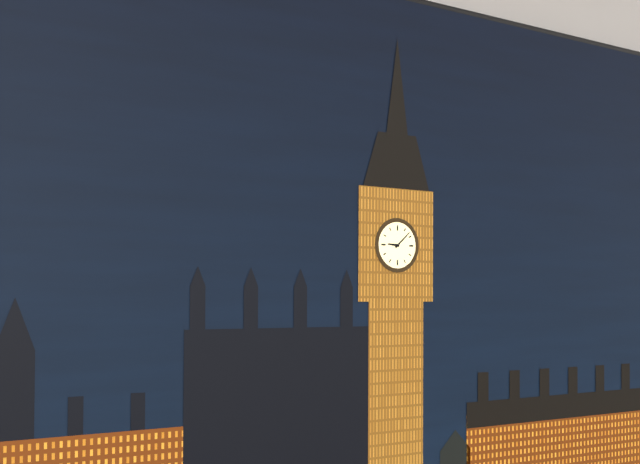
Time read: 9:08
